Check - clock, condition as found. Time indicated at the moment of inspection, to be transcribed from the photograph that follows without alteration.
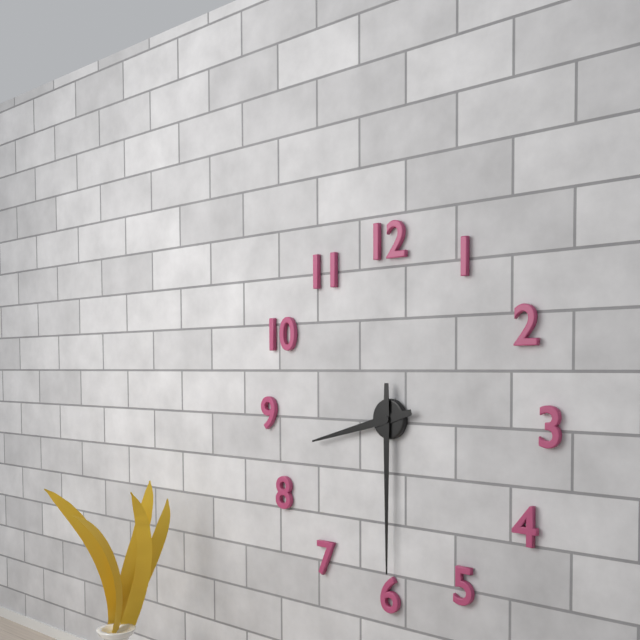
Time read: 8:30
